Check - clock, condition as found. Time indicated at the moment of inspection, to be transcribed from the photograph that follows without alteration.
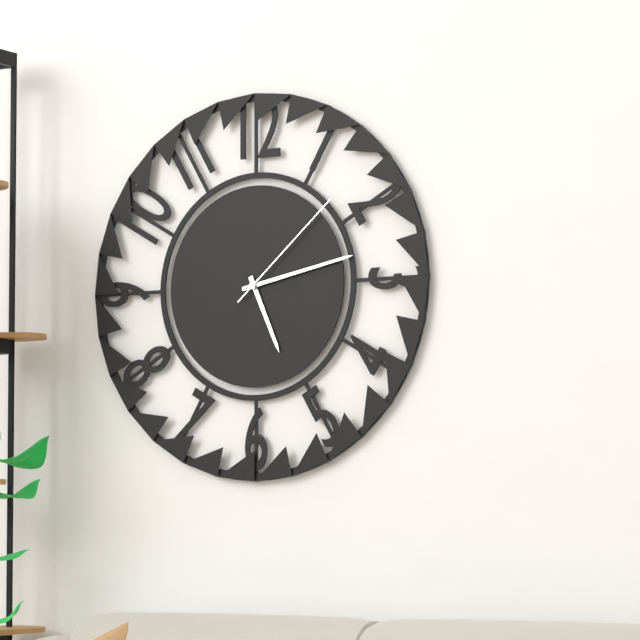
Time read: 5:13:08
